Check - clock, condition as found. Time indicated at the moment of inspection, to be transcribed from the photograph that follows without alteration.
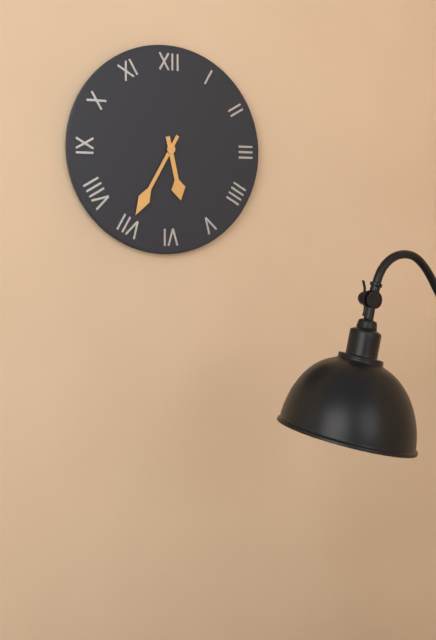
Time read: 5:35
